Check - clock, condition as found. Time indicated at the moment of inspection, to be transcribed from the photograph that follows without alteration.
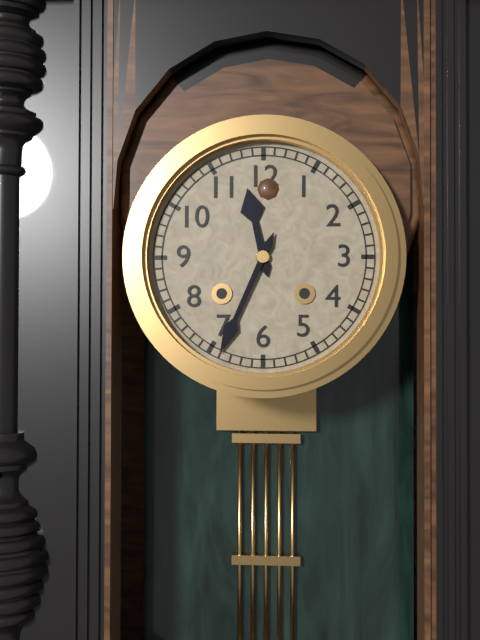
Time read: 11:34
